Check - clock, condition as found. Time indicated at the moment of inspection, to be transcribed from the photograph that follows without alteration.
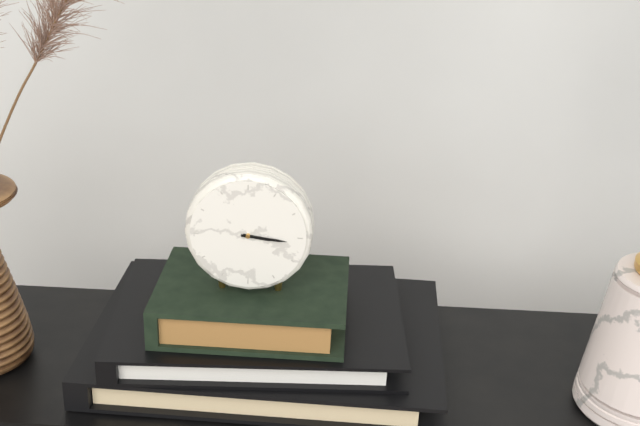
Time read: 3:16
